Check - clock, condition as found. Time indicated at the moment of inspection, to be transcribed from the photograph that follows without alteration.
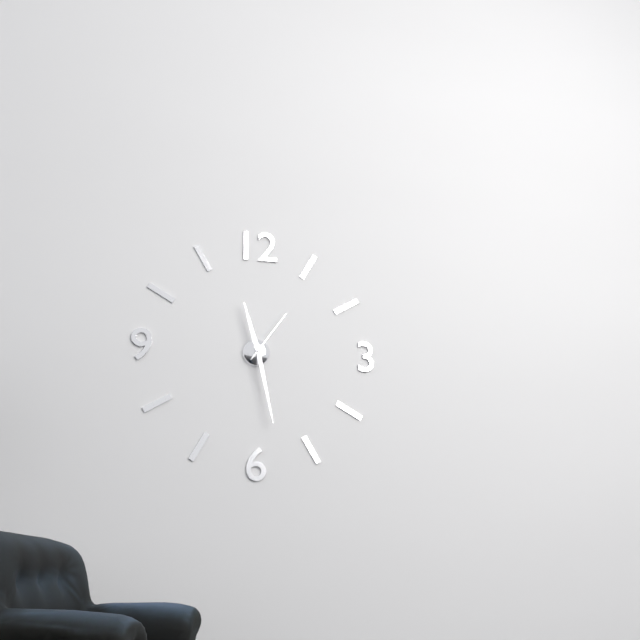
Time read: 11:28:06
